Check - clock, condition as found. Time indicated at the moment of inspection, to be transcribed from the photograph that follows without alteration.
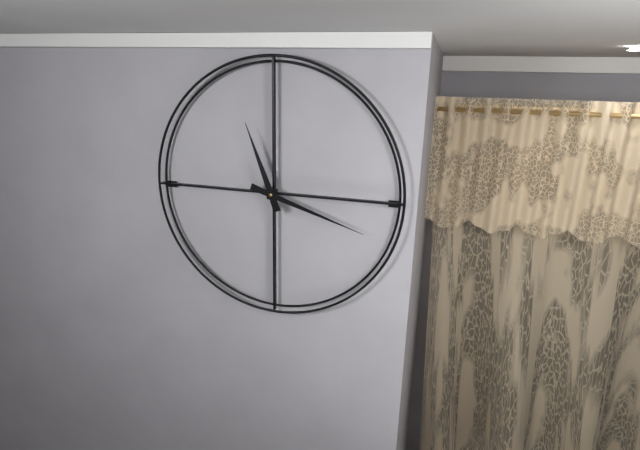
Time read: 11:18
